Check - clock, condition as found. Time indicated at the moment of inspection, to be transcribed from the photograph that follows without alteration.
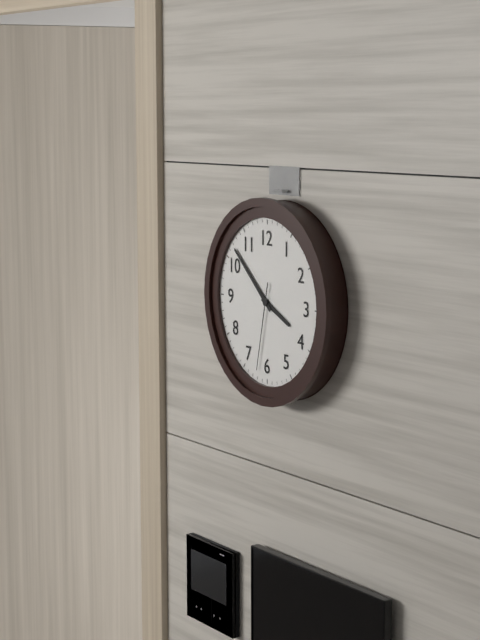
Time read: 3:52:32
